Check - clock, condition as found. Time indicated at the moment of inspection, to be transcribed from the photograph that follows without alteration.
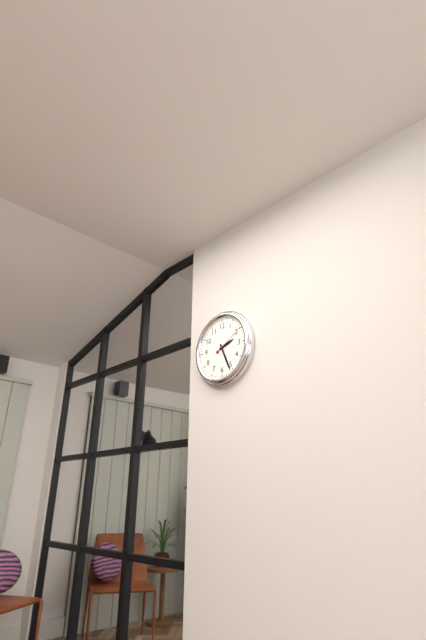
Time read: 2:26
